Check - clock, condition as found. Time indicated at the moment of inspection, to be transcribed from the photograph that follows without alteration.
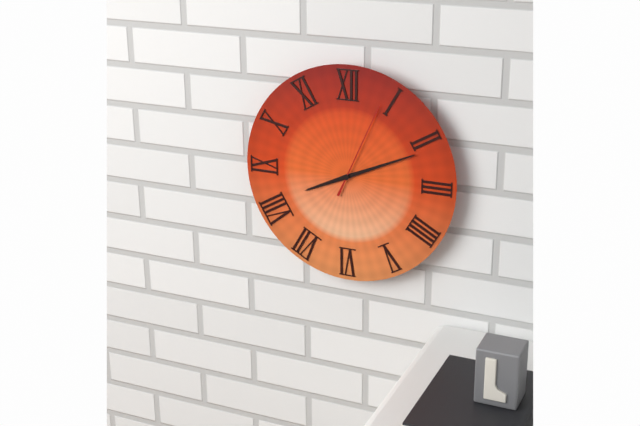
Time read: 8:11:04
